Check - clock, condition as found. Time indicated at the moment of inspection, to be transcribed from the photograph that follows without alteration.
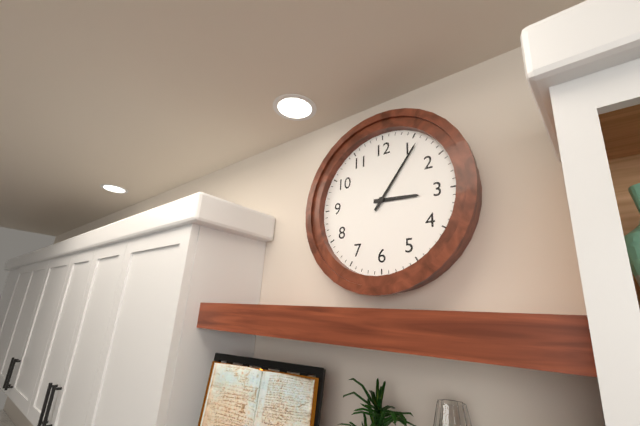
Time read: 3:06
